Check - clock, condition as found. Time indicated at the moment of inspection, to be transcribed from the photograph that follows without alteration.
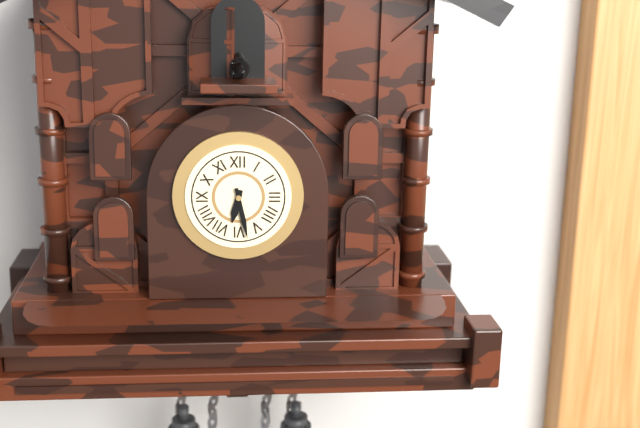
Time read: 6:28
